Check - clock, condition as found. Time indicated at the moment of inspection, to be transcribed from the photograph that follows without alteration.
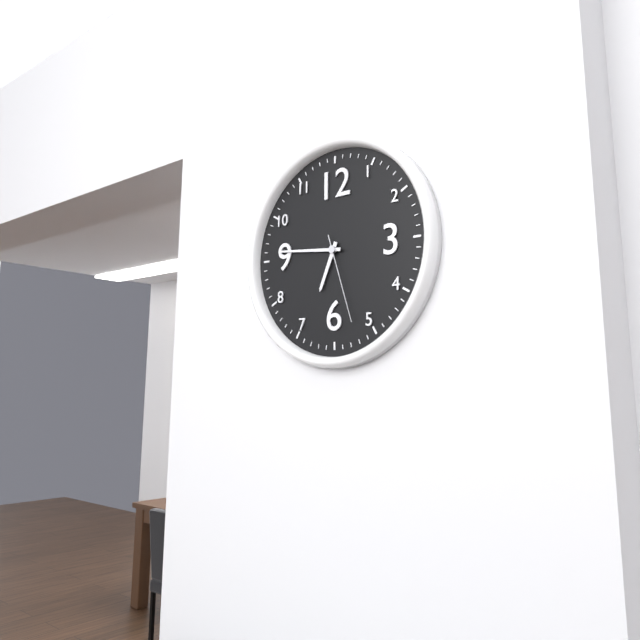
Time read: 6:46:27
